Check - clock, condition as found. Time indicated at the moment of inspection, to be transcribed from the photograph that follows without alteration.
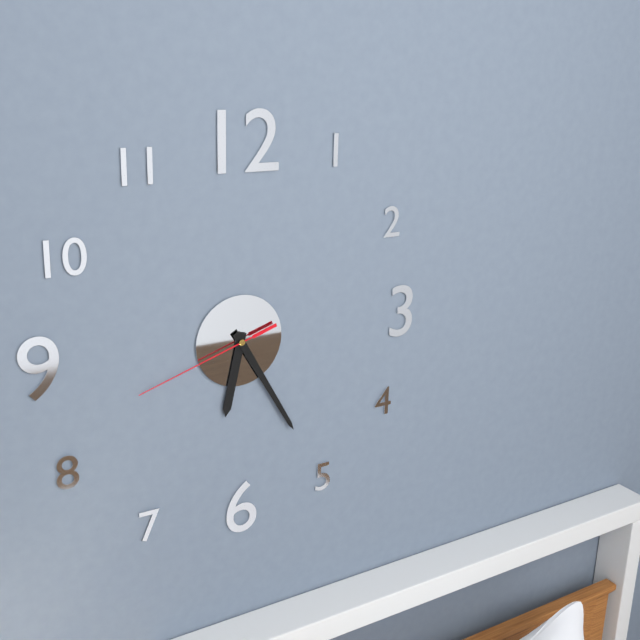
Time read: 6:25:42
